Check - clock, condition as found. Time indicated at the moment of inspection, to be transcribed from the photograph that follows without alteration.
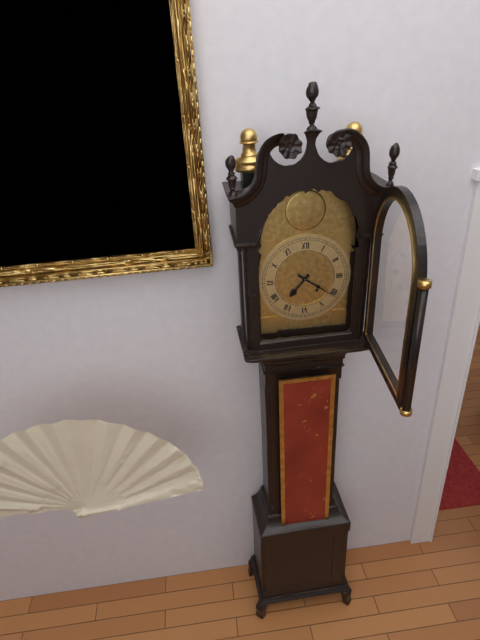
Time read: 7:21
